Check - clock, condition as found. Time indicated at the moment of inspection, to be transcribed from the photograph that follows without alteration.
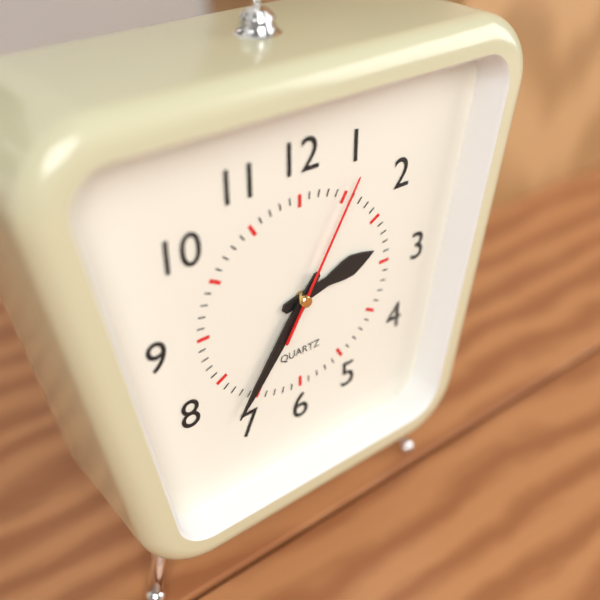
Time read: 2:36:05
